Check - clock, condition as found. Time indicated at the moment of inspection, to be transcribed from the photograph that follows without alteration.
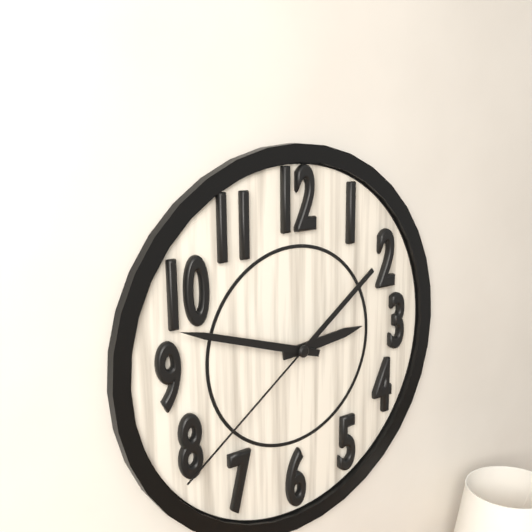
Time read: 2:48:39
